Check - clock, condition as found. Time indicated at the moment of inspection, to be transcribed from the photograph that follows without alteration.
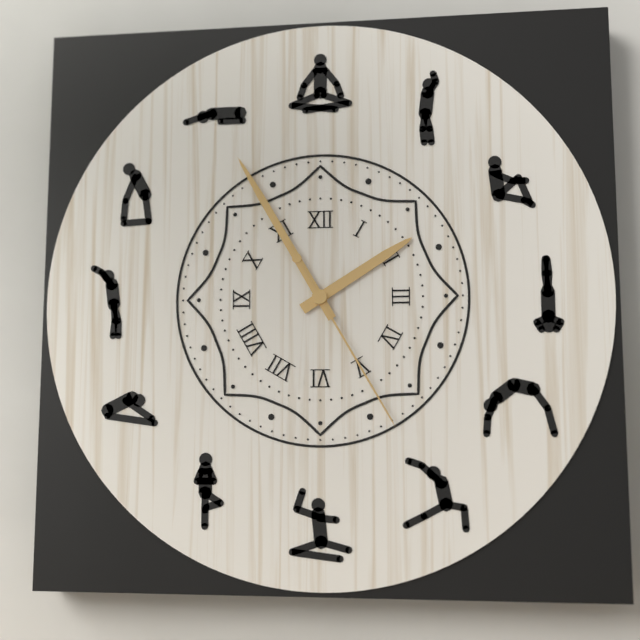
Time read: 1:55:25
